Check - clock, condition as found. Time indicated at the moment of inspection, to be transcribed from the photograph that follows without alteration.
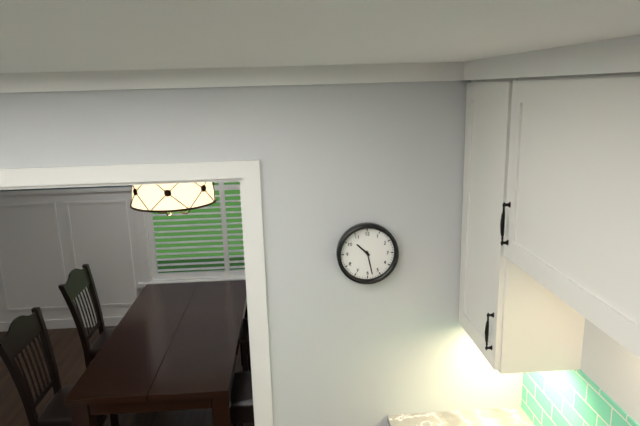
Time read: 10:28
